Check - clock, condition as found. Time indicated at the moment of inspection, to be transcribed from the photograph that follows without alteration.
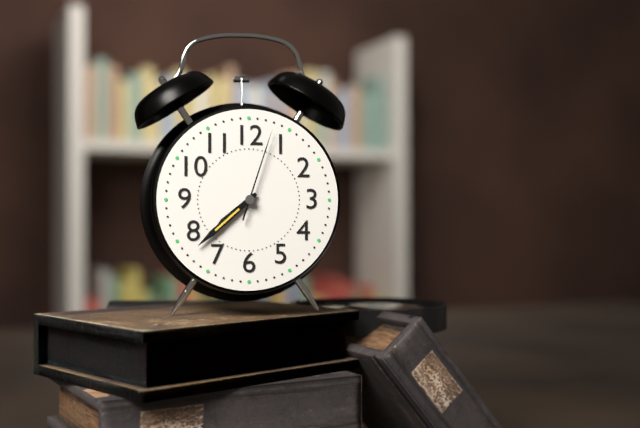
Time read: 7:38:03
